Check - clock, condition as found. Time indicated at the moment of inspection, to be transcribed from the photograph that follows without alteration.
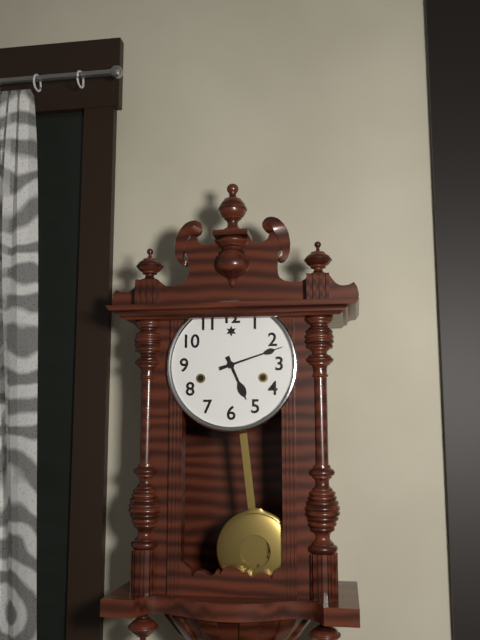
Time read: 5:12
